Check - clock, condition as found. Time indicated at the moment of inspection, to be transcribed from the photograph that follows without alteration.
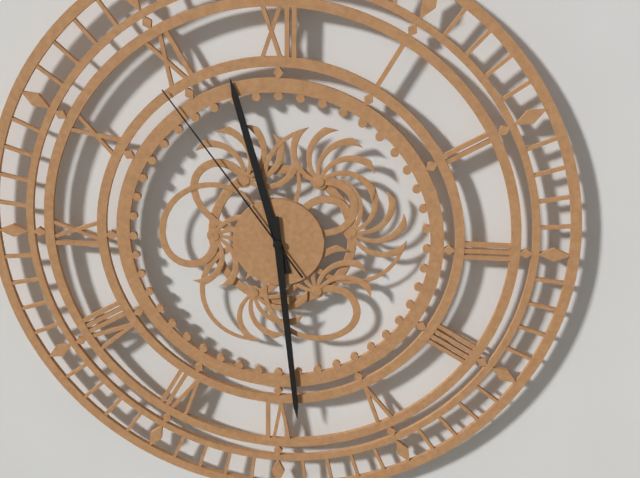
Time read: 11:29:54
